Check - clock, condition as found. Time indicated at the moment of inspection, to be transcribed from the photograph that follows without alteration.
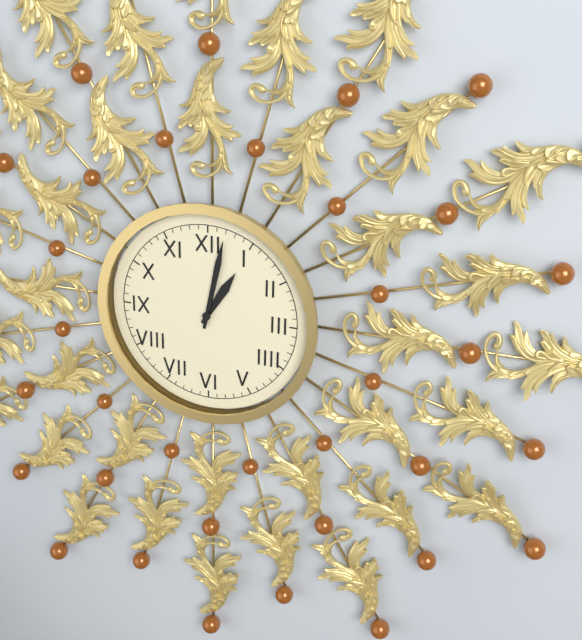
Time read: 1:02
